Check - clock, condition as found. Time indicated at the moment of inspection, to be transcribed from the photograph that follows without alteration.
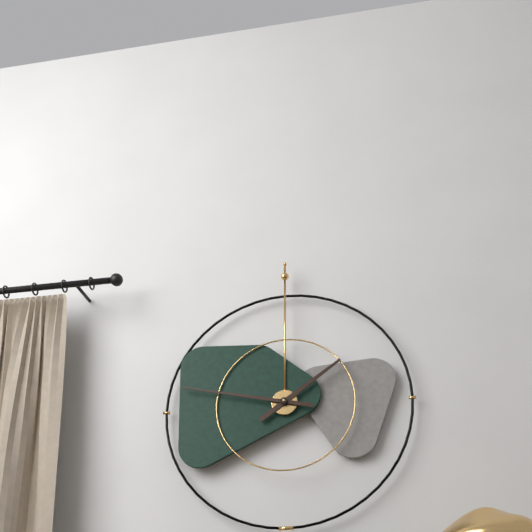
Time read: 1:47
